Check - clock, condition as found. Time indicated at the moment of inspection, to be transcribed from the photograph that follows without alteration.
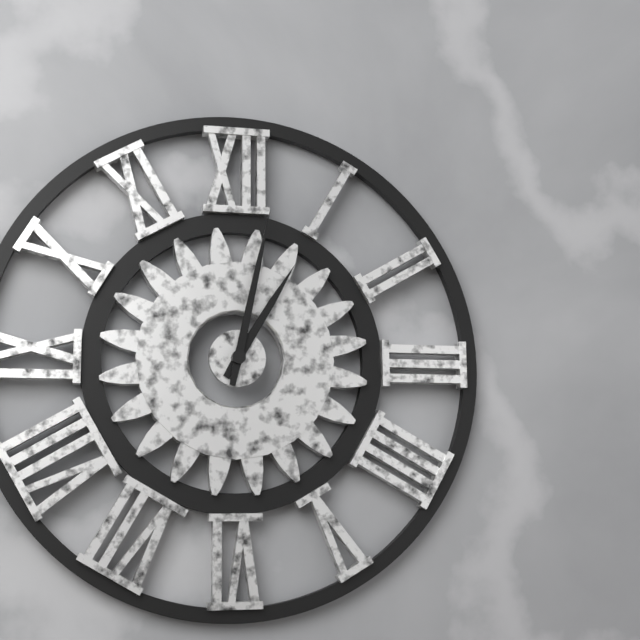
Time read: 1:02
